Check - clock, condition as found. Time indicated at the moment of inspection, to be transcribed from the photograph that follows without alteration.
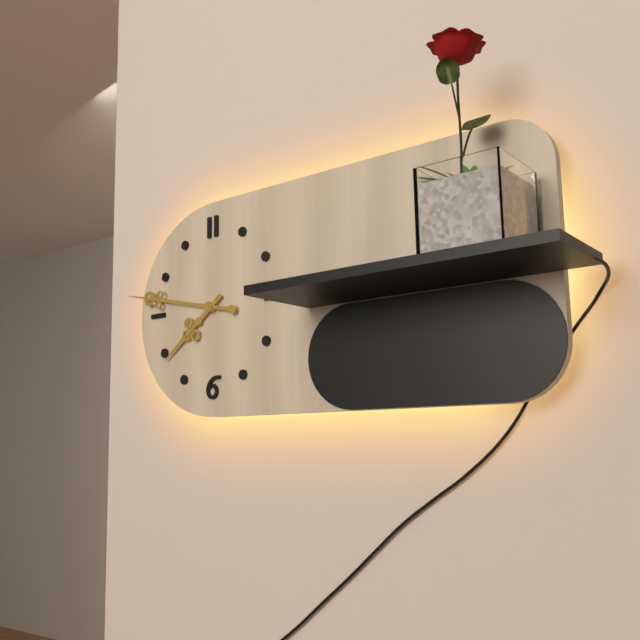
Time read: 7:47
